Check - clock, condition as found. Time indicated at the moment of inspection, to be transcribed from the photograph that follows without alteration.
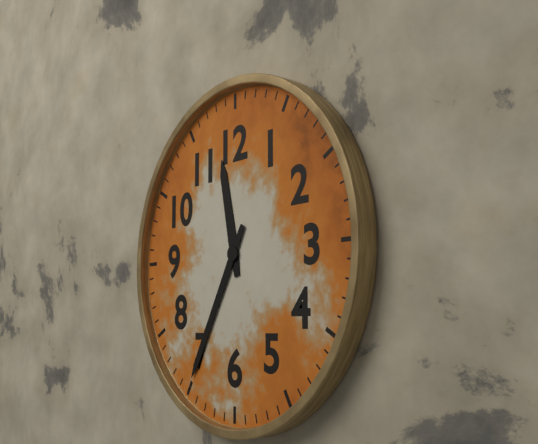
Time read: 11:35
